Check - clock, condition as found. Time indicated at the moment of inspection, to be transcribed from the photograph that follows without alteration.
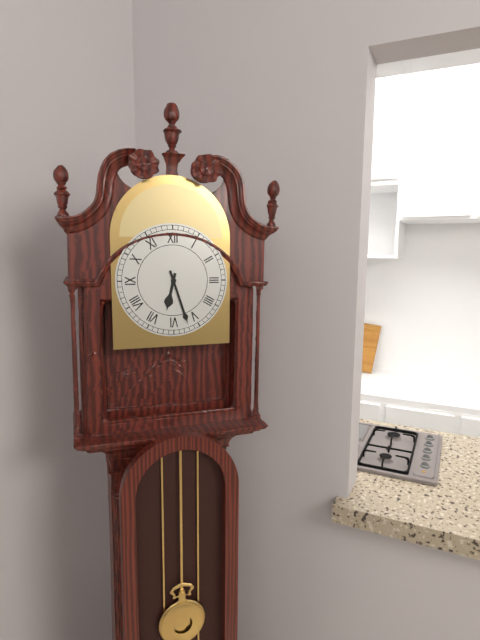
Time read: 6:27
